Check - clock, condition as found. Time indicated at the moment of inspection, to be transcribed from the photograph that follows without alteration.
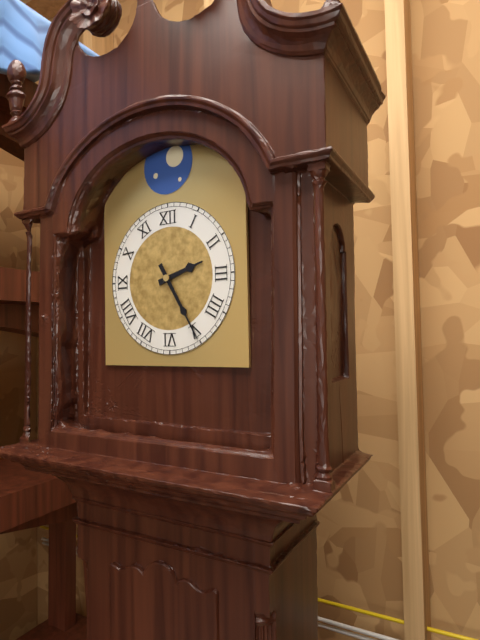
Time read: 2:25
